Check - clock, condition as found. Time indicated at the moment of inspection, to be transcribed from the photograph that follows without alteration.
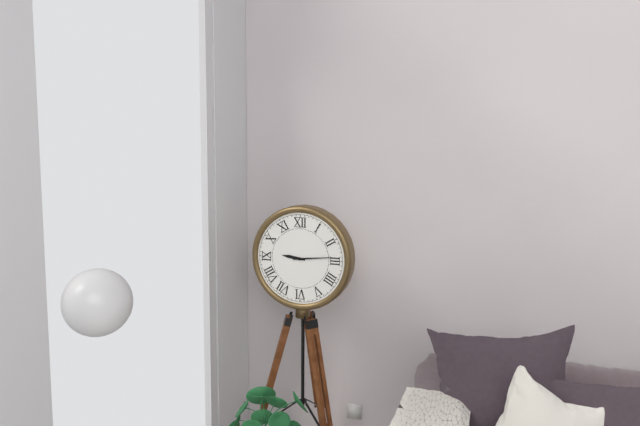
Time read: 9:14
